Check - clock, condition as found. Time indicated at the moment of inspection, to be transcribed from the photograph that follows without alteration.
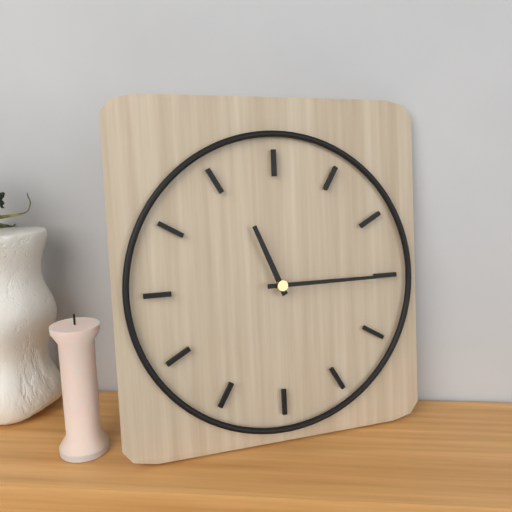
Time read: 11:15
